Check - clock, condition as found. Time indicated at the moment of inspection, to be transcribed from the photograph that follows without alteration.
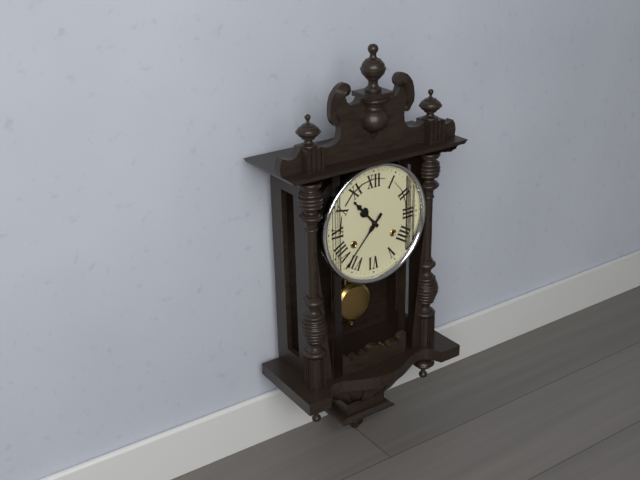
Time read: 10:37
